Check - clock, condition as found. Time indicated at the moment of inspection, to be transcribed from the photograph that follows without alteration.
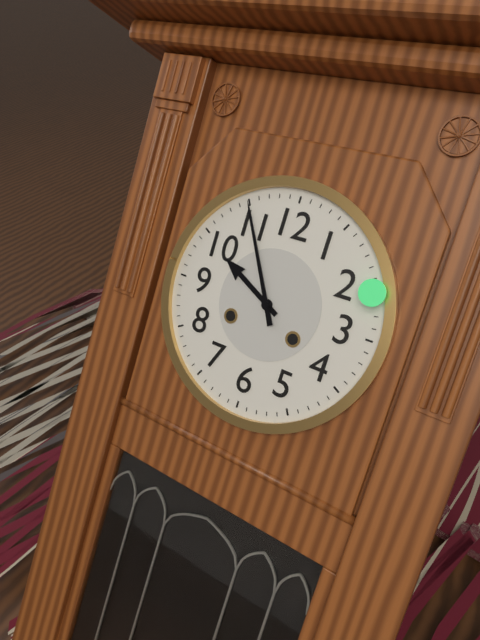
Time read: 9:55
